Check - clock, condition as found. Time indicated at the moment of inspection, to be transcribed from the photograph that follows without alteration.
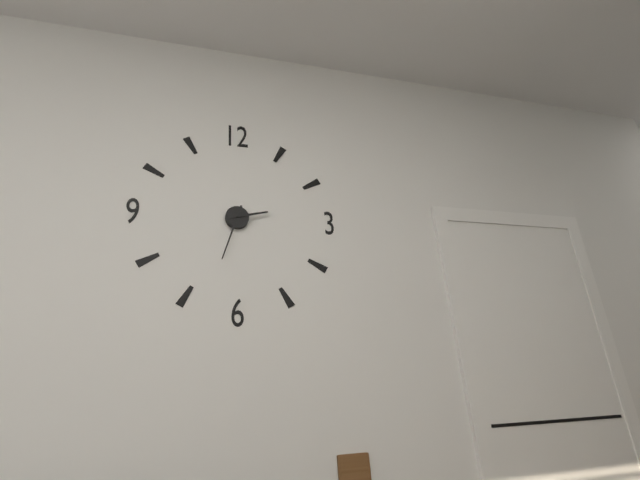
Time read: 2:33
